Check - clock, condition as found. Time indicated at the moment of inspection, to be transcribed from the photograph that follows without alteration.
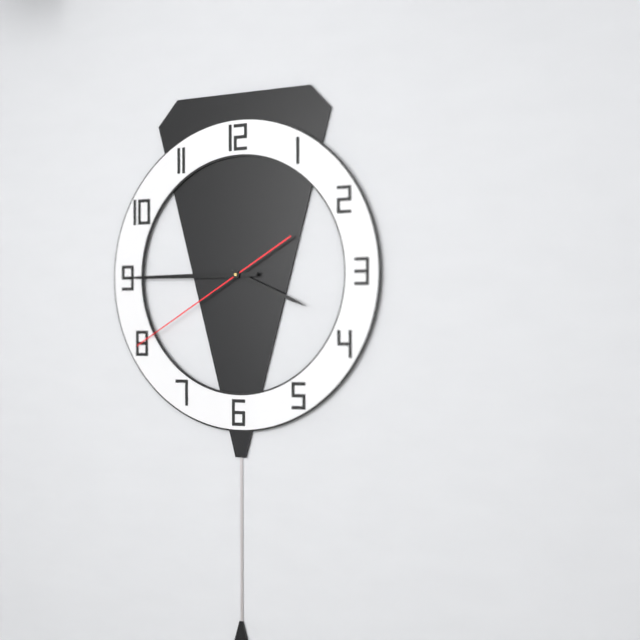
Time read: 3:45:40
